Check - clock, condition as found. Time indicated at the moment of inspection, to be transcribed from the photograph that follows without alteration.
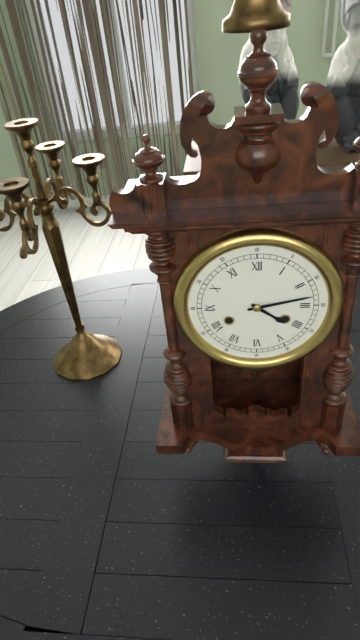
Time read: 4:13
